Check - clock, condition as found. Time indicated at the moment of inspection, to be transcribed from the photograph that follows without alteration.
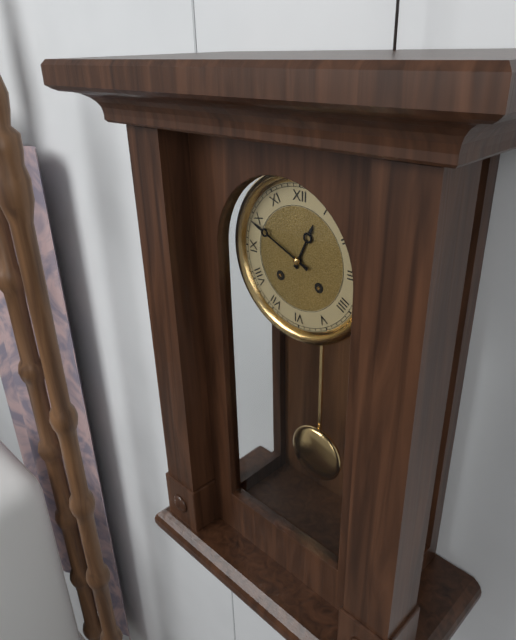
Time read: 12:49
